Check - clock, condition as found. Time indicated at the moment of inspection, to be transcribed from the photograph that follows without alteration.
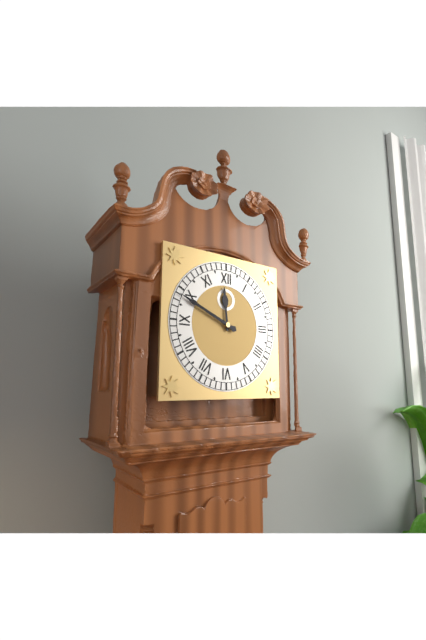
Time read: 11:49
